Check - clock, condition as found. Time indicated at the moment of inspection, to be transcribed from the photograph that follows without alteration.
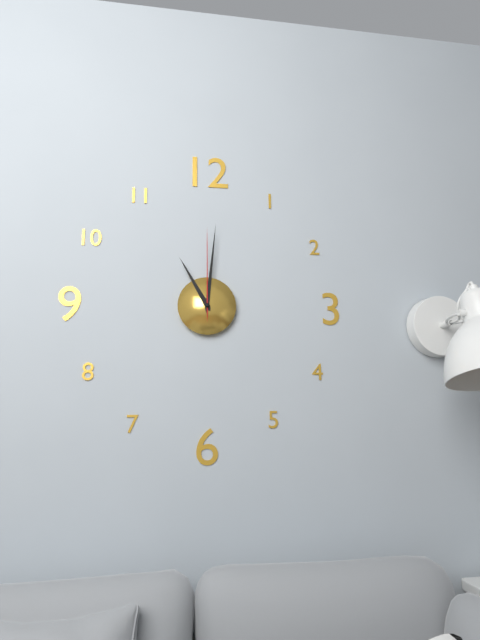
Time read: 11:01:00
